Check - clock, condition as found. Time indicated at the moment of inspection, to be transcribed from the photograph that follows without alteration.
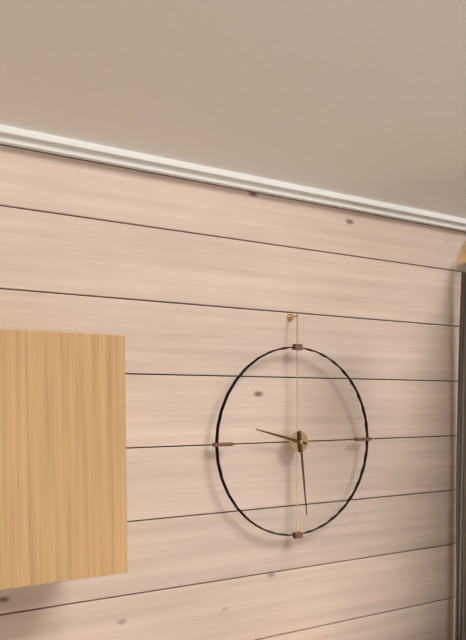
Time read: 9:29
